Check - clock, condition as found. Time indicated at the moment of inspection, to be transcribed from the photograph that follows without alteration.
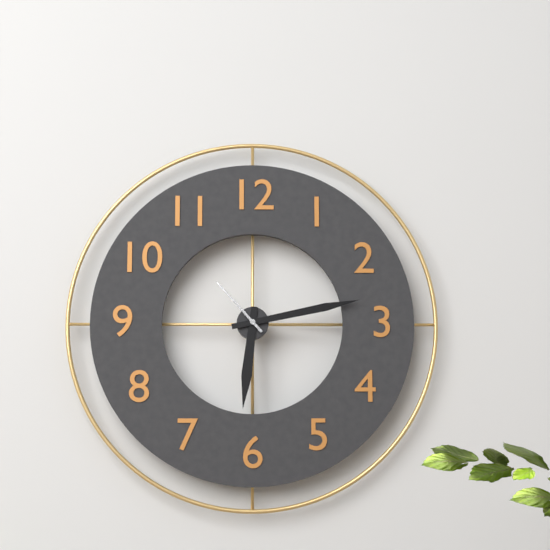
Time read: 6:13:53
